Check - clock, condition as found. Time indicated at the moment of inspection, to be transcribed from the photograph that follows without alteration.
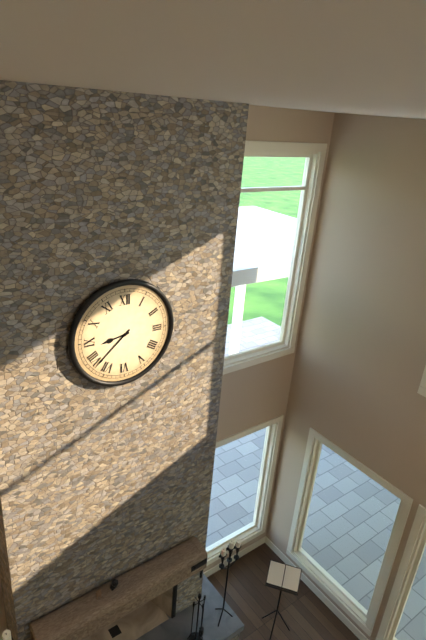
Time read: 8:38
